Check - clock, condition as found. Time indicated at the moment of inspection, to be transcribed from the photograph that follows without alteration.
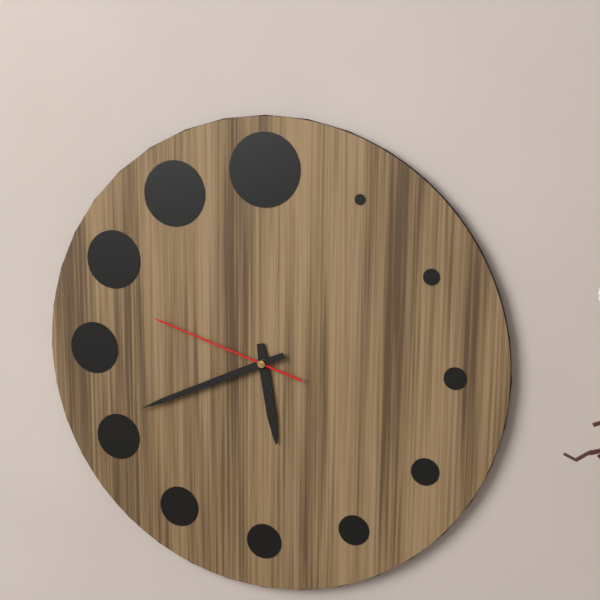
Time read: 5:41:48
